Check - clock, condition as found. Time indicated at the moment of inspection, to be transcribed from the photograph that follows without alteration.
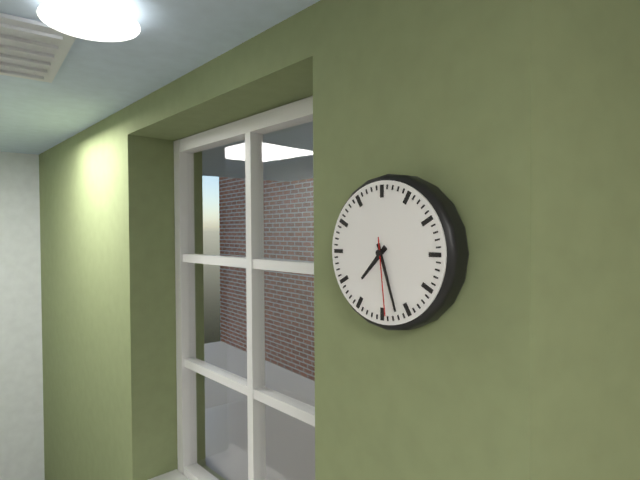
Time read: 7:27:29
